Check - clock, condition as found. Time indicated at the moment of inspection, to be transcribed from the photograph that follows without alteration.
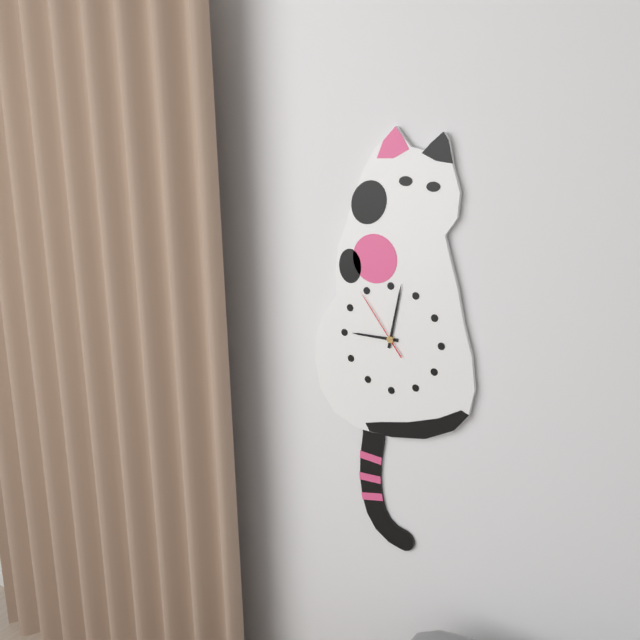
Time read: 9:02:54
